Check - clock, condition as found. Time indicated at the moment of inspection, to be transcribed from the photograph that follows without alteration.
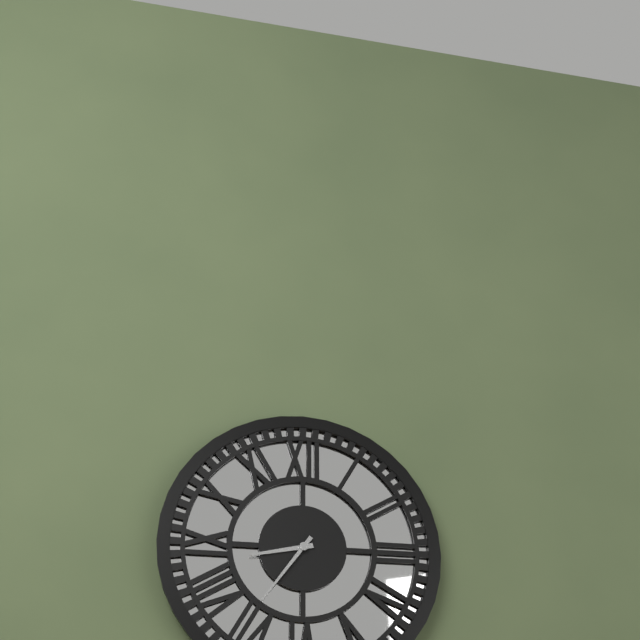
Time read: 8:36
